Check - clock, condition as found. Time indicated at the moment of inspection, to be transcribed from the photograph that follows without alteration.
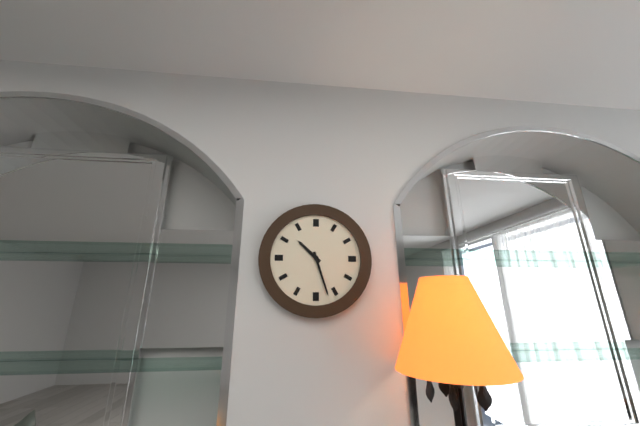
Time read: 10:27
